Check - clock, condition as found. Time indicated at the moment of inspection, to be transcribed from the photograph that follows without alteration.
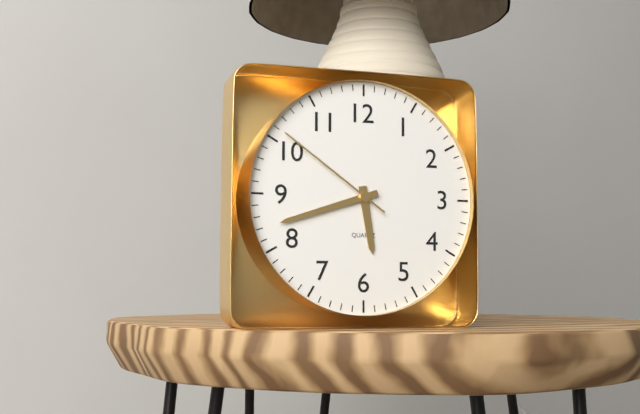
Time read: 5:42:51
